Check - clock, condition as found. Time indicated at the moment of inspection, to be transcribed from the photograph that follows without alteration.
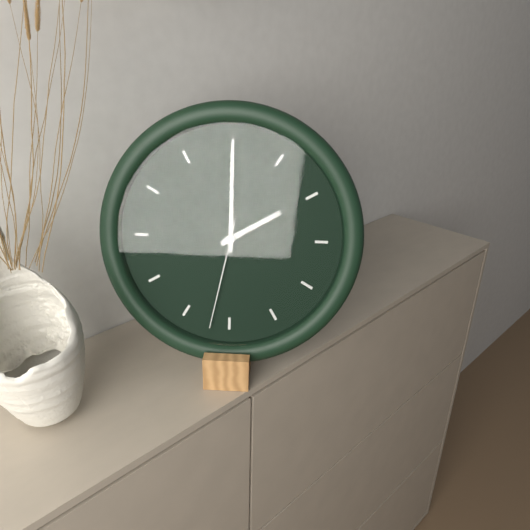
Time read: 2:00:32
